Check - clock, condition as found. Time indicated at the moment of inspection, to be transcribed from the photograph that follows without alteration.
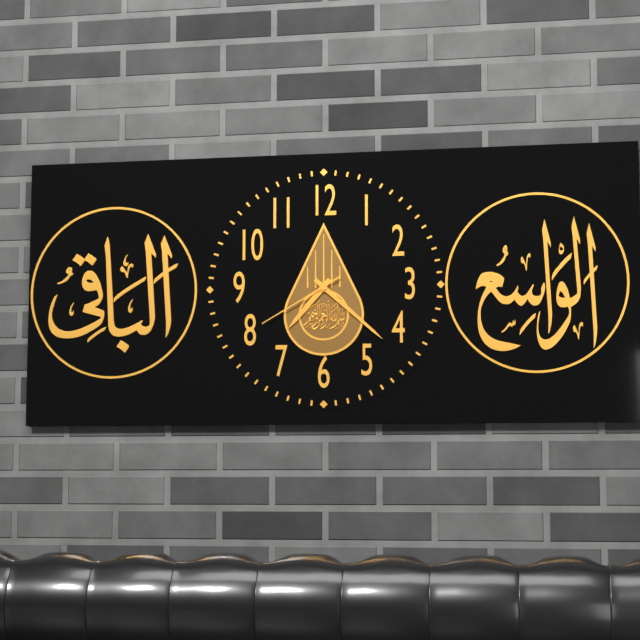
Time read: 7:22:40
